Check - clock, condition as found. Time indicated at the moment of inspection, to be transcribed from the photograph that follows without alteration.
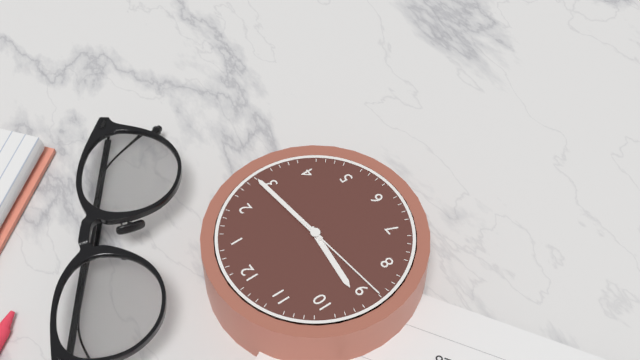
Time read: 9:14:44
